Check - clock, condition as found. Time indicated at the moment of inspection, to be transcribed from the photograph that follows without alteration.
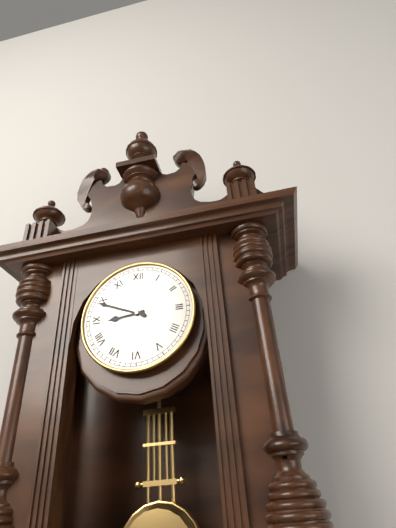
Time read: 8:49
